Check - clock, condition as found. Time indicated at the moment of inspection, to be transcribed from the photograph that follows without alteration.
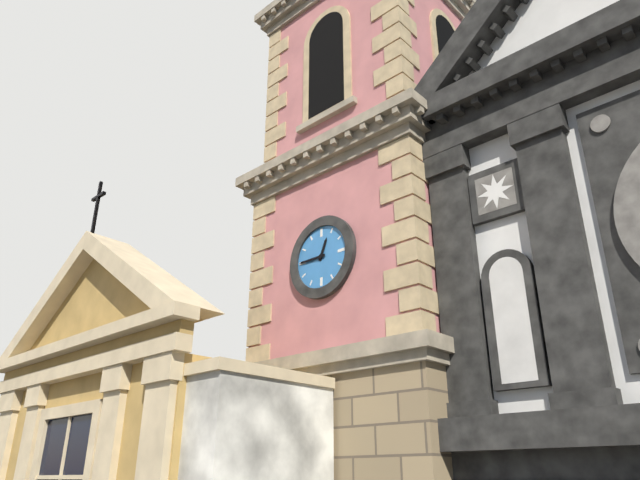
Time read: 12:45
